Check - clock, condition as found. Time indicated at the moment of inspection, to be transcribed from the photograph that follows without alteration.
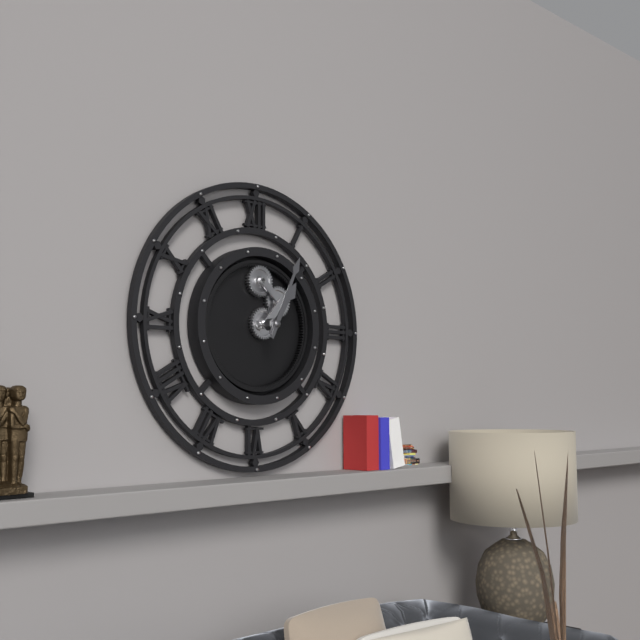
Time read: 1:04
